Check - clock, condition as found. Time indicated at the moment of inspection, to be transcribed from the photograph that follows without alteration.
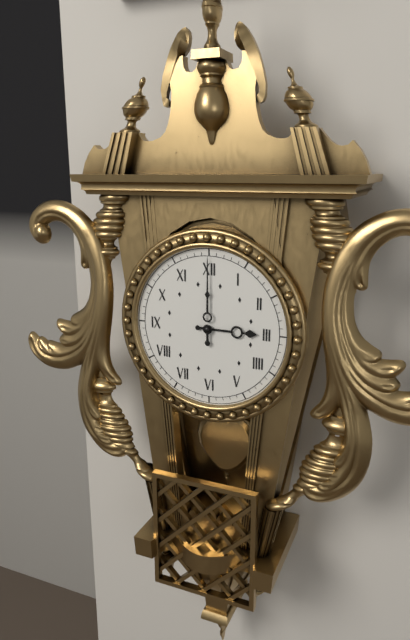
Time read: 3:00
